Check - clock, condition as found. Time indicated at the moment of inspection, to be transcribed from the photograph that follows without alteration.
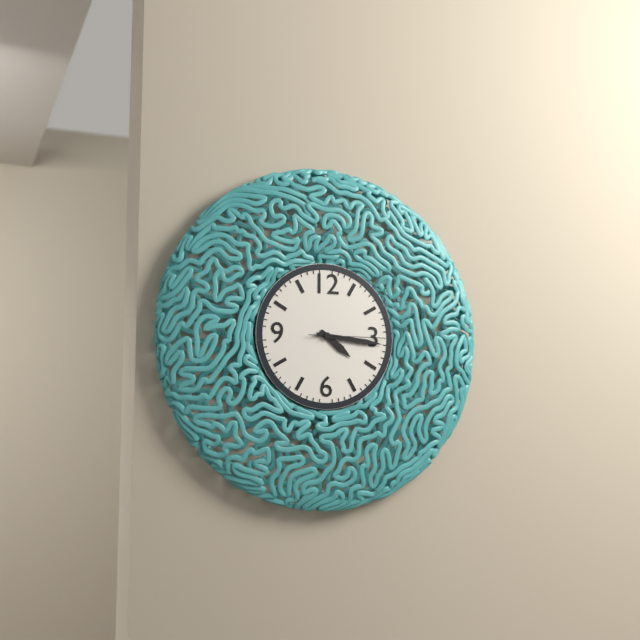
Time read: 4:16:15
